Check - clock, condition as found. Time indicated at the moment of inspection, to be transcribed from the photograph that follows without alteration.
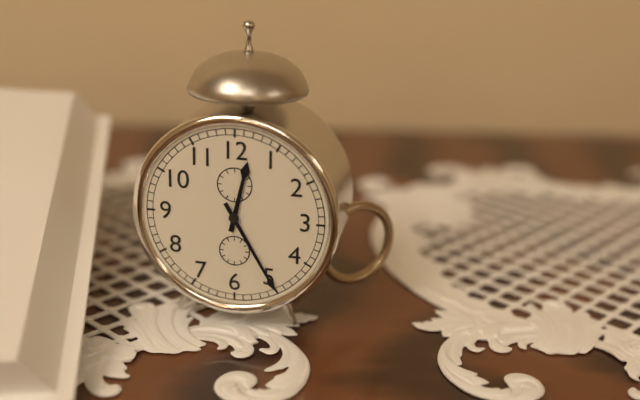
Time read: 12:25
